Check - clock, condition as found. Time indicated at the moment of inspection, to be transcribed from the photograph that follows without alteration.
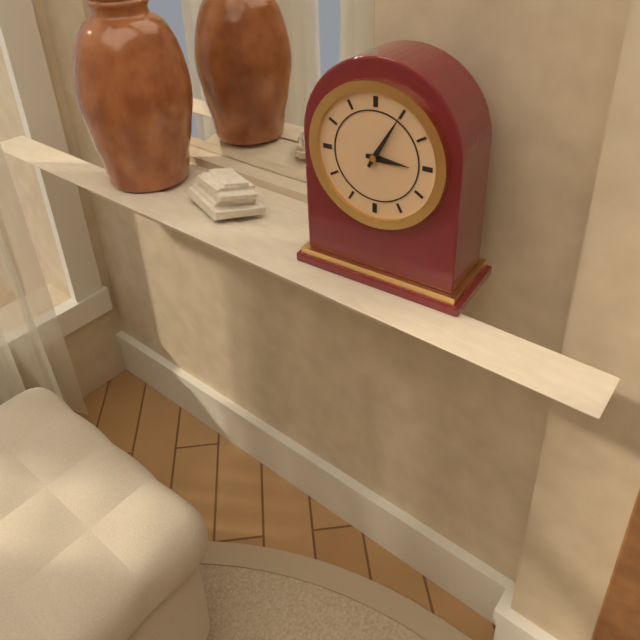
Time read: 3:05
